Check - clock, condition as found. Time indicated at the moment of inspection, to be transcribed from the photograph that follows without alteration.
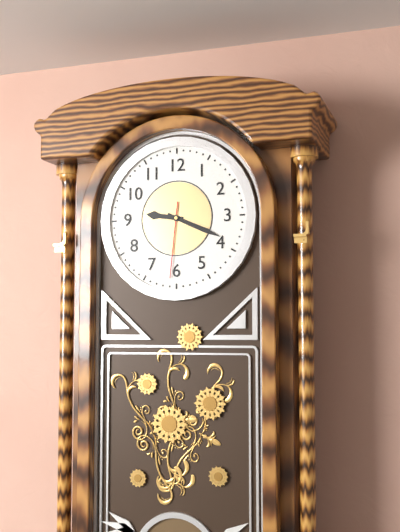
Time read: 9:19:31
